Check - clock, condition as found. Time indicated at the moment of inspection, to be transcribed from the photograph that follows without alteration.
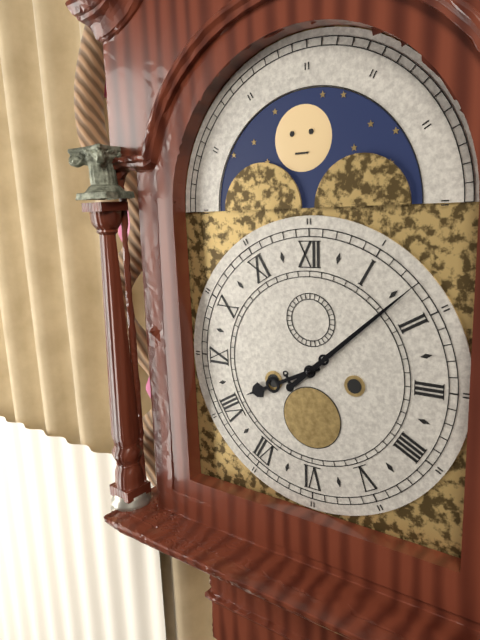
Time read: 8:08
